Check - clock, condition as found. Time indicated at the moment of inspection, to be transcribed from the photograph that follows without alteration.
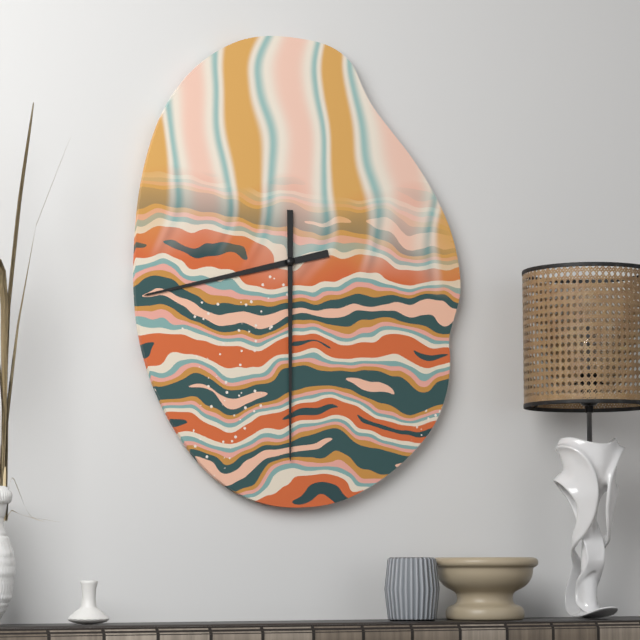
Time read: 8:30
